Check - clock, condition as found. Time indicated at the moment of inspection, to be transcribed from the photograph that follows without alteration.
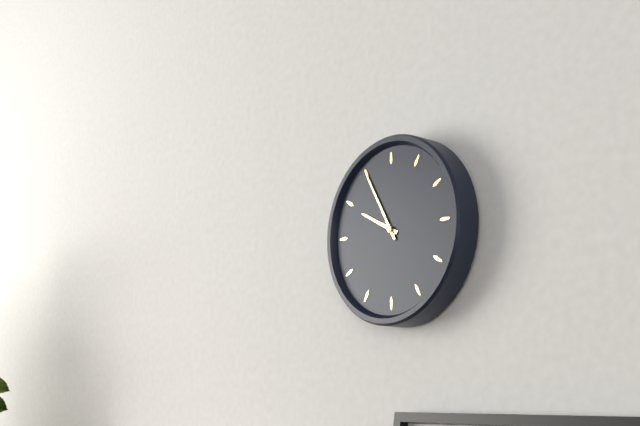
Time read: 9:55
